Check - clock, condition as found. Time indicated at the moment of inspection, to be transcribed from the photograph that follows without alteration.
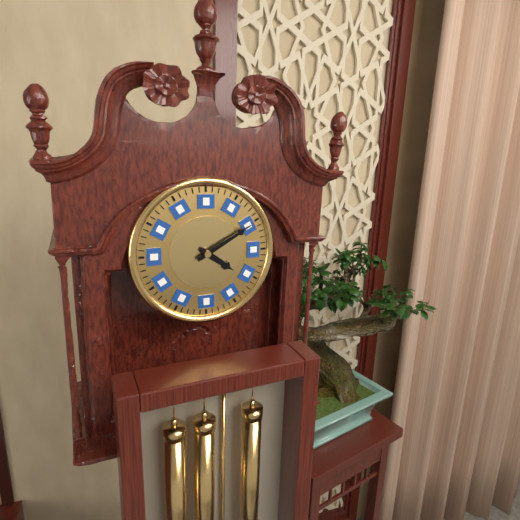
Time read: 4:10
